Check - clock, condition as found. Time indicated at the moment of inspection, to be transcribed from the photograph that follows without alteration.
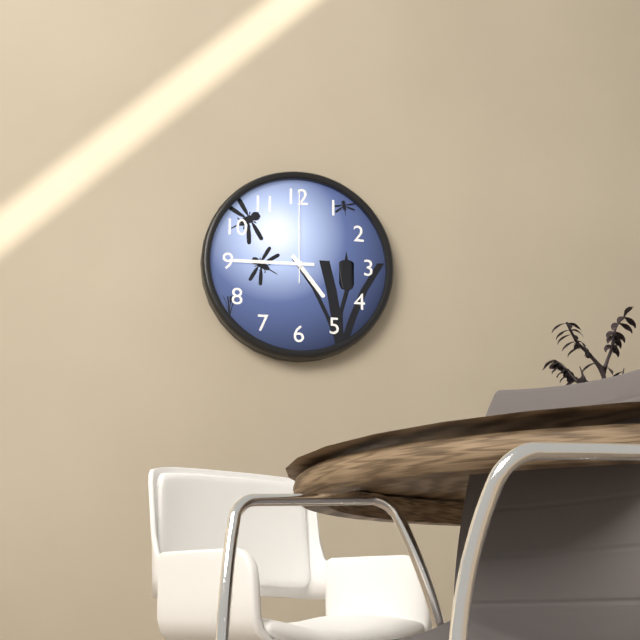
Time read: 4:45:00
